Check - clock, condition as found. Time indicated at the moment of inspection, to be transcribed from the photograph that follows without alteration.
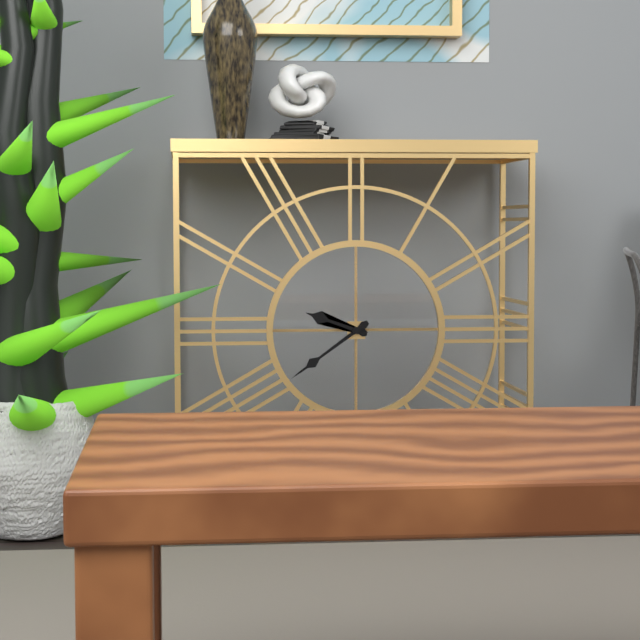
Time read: 9:39
